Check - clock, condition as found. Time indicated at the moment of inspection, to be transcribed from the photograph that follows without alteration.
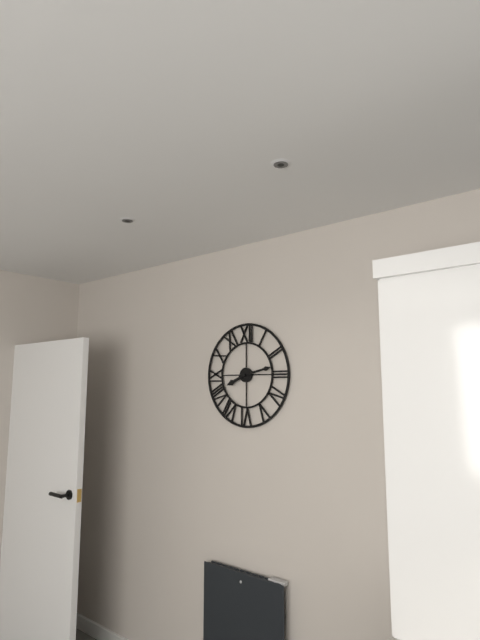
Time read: 8:13
